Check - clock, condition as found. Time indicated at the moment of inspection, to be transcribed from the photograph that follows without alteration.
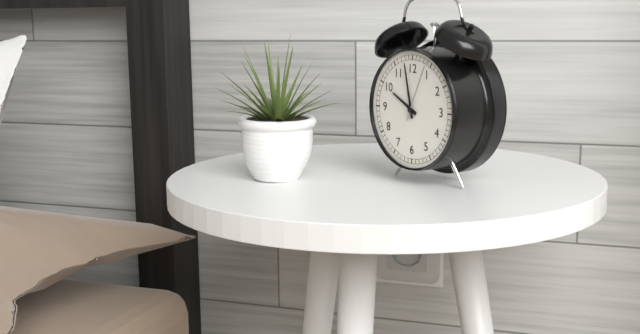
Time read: 9:58:04
